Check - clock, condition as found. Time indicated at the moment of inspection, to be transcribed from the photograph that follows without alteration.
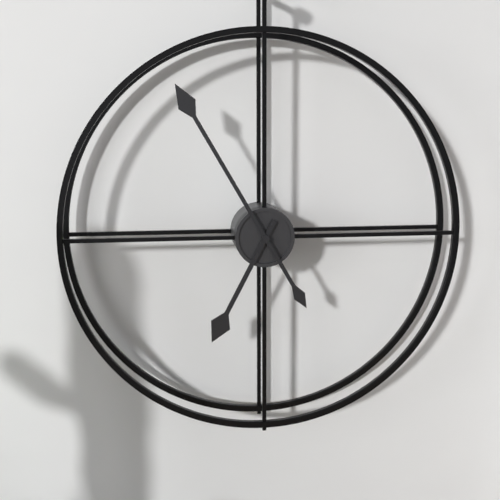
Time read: 6:55
